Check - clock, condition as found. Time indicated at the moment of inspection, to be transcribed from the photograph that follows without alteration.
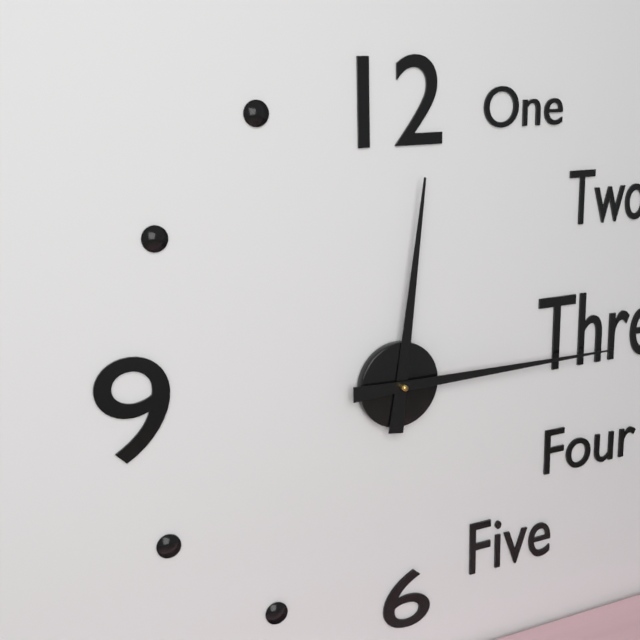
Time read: 12:15
